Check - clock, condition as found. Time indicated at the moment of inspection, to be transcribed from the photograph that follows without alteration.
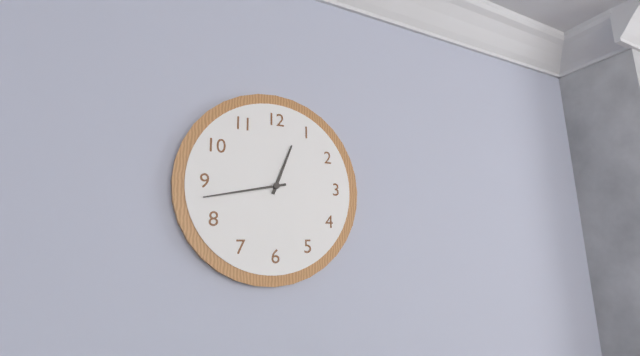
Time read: 12:43
